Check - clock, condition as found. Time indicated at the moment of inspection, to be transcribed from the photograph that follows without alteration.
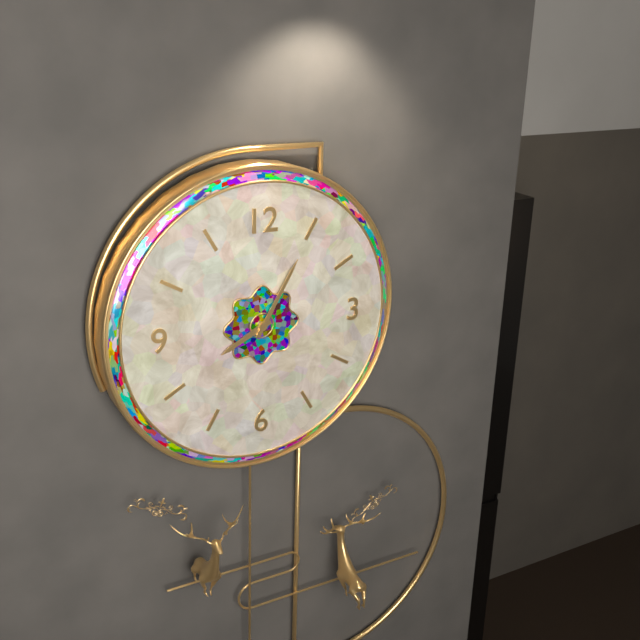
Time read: 8:05
